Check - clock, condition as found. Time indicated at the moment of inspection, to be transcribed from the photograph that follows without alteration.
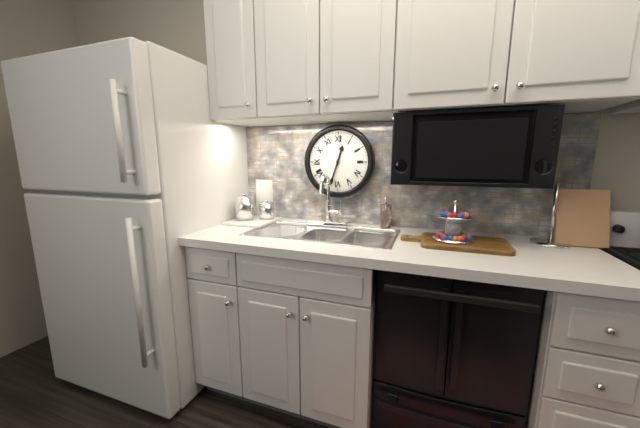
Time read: 12:33
